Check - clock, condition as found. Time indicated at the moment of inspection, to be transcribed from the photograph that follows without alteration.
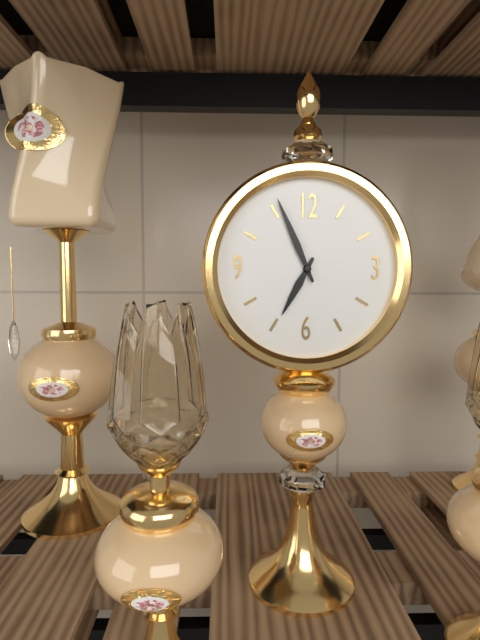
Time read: 6:56
